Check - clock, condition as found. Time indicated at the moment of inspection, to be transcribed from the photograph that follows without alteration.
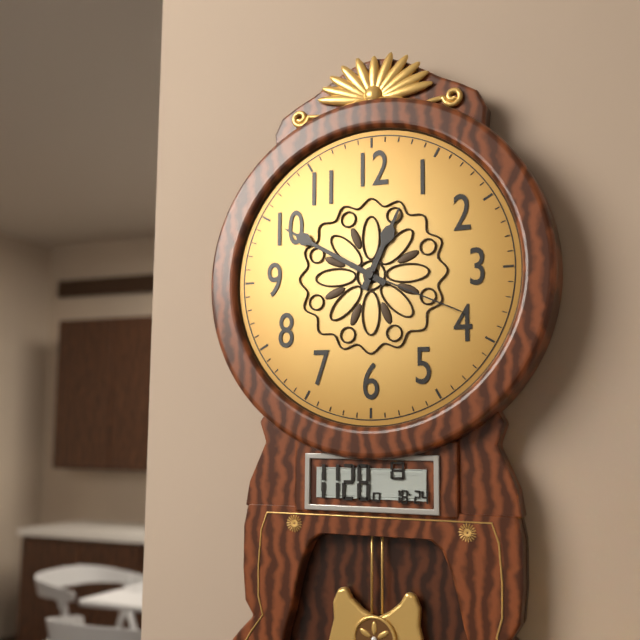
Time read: 12:50:19
